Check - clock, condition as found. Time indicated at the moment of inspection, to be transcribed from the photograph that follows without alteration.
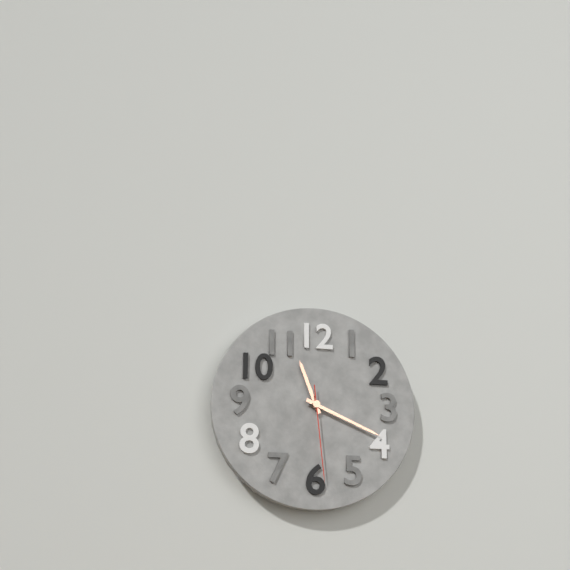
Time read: 11:19:29
